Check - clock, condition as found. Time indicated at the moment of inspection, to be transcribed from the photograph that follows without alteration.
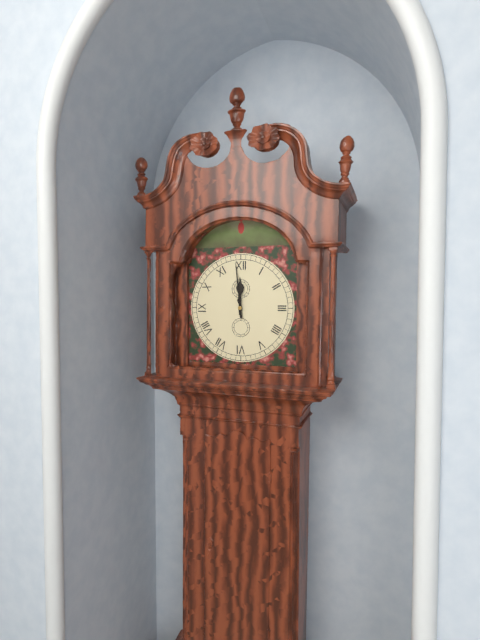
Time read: 11:59
